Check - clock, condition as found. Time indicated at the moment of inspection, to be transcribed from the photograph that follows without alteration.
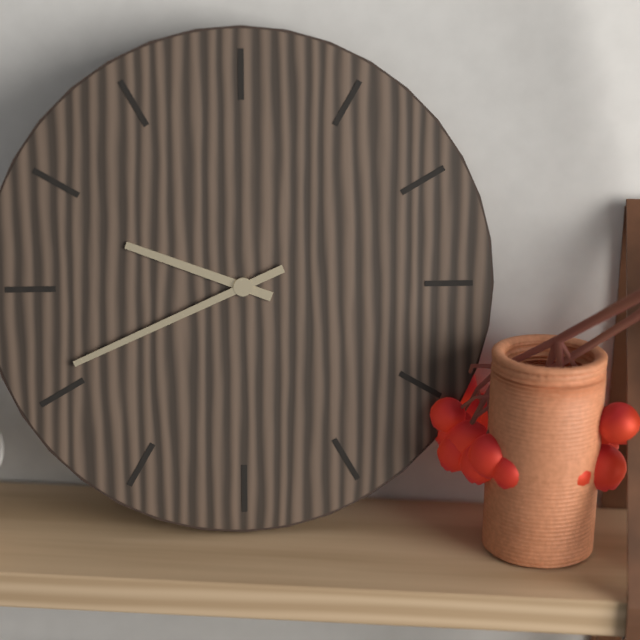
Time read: 9:41
